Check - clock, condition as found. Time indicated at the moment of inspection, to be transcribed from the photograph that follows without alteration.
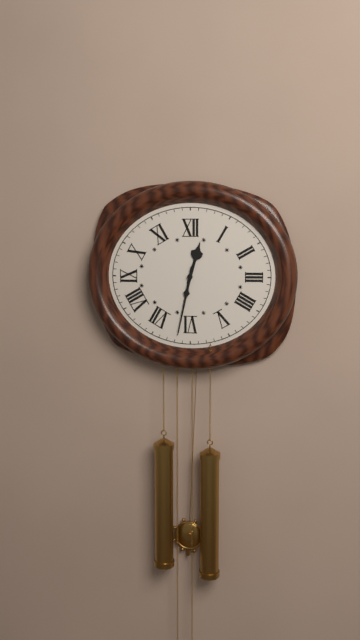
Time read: 12:32
